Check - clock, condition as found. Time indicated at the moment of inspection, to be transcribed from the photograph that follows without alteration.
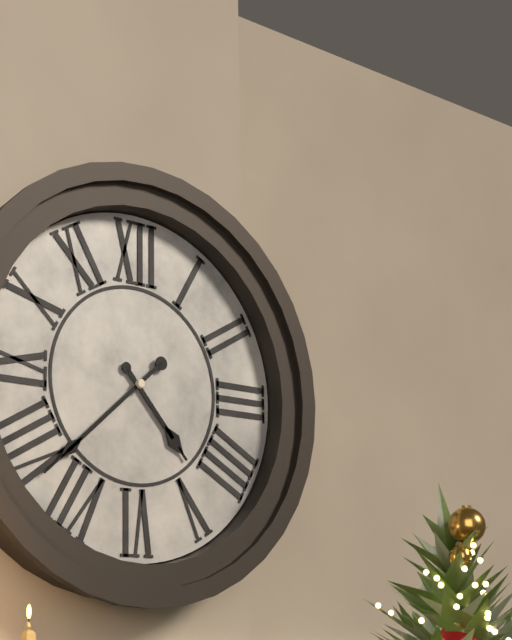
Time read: 4:38
